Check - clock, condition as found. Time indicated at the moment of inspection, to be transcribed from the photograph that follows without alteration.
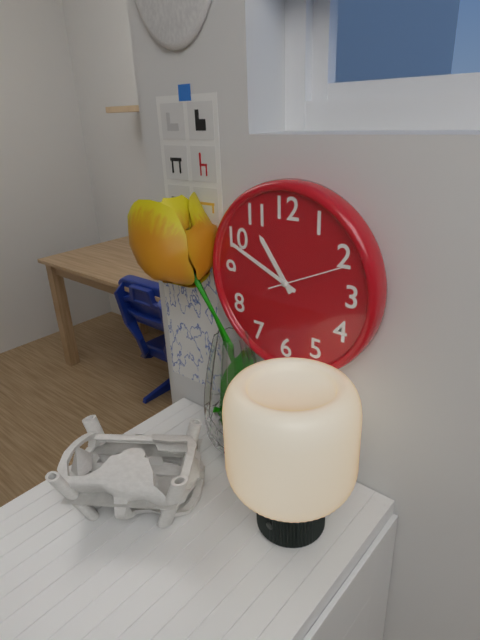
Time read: 10:49:11
